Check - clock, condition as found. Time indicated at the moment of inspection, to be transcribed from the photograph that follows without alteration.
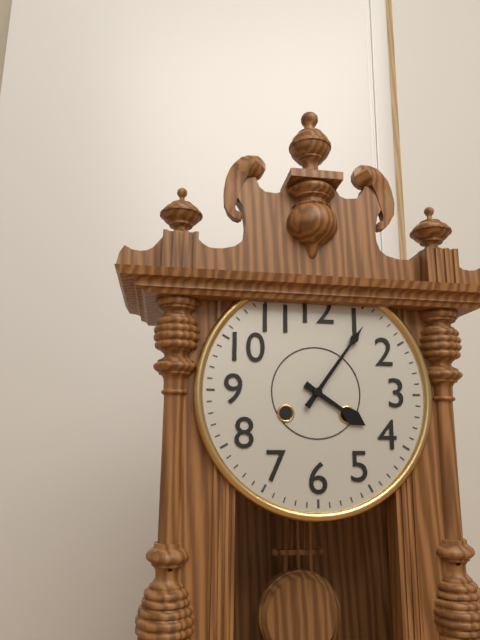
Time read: 4:06
